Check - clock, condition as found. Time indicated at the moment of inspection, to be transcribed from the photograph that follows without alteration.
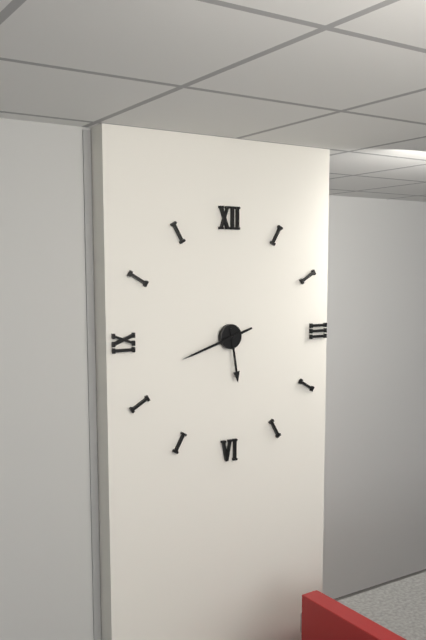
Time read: 5:42
